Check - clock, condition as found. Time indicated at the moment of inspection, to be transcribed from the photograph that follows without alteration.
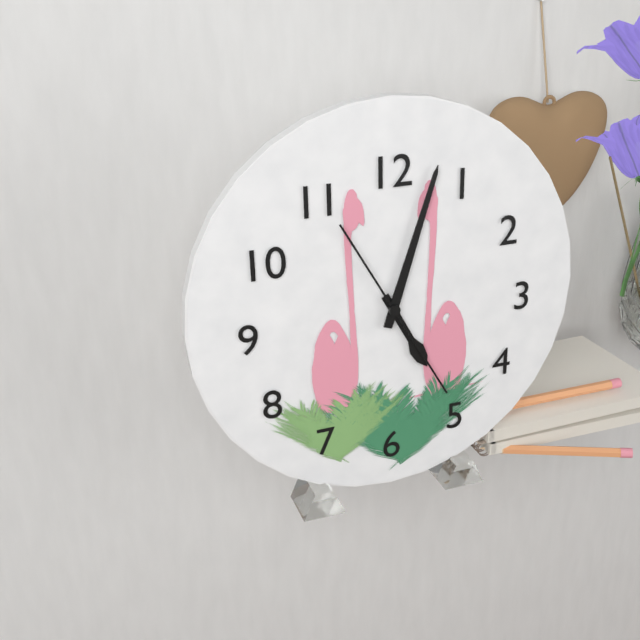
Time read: 5:03:25
